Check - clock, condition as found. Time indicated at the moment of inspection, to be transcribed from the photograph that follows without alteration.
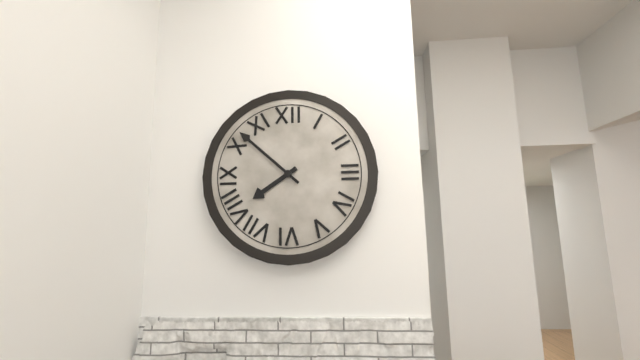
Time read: 7:52
